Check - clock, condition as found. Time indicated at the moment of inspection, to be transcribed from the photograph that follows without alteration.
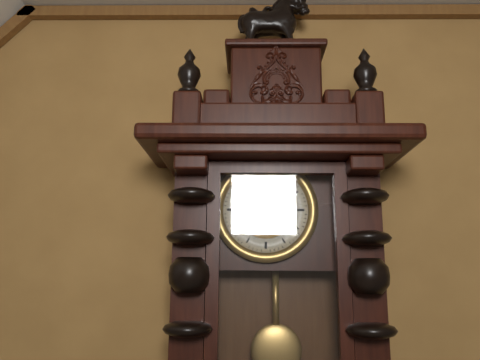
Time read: 8:59
